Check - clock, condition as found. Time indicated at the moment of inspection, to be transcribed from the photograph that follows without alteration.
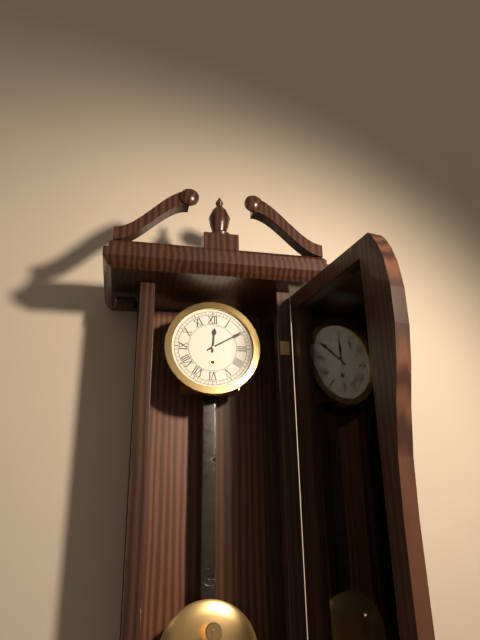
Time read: 12:10
